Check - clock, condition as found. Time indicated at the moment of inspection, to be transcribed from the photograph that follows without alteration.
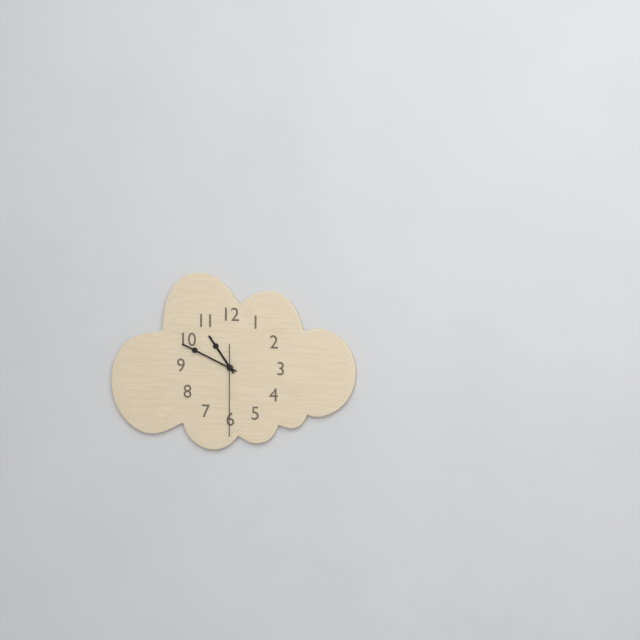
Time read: 10:49:30
